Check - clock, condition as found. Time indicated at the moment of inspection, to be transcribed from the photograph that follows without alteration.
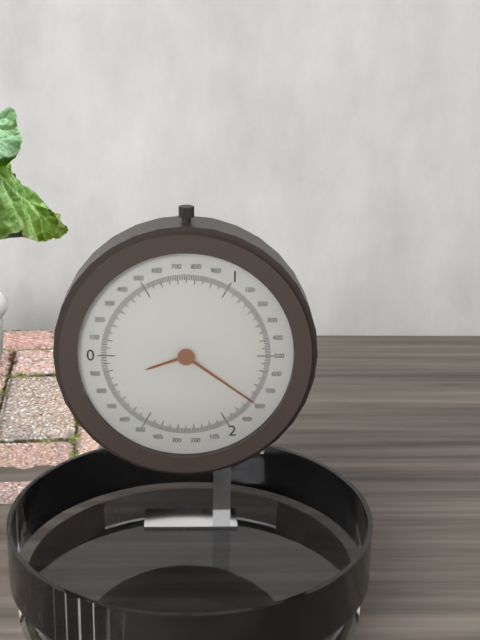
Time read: 8:21
